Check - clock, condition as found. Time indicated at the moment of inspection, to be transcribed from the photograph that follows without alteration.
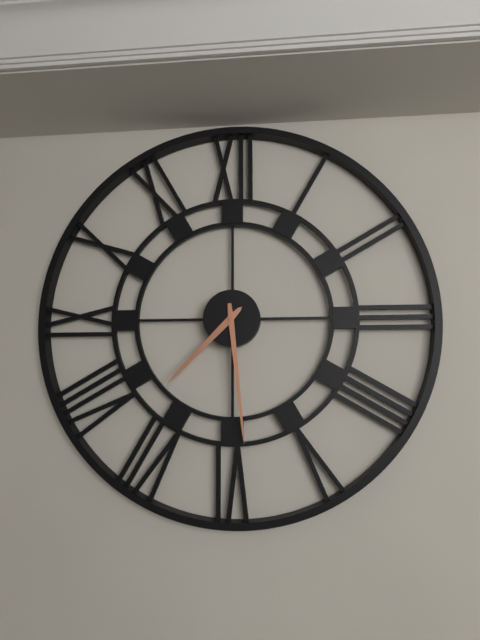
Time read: 7:29
